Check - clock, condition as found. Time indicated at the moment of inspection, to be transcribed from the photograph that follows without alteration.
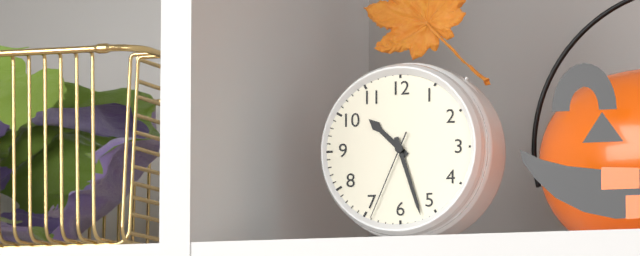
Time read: 10:27:34
